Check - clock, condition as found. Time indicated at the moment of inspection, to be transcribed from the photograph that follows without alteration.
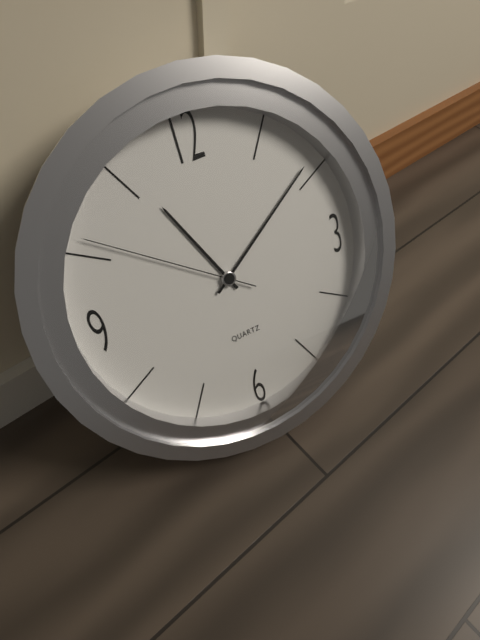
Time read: 11:09:51
